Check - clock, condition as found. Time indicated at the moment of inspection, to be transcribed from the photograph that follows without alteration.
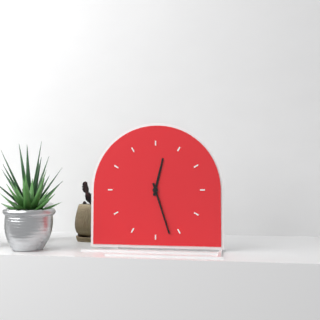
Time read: 12:27
